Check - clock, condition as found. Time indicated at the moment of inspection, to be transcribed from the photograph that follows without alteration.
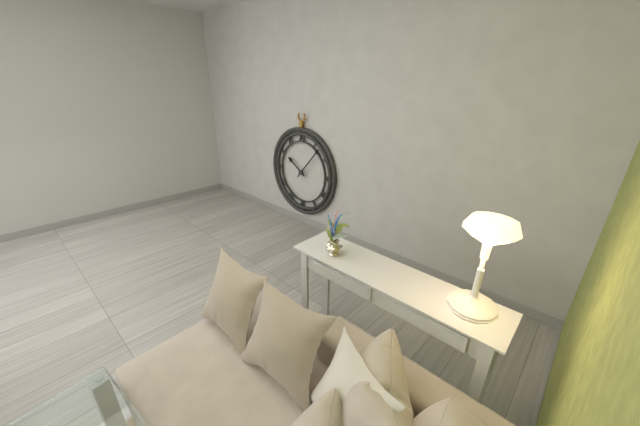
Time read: 10:07
